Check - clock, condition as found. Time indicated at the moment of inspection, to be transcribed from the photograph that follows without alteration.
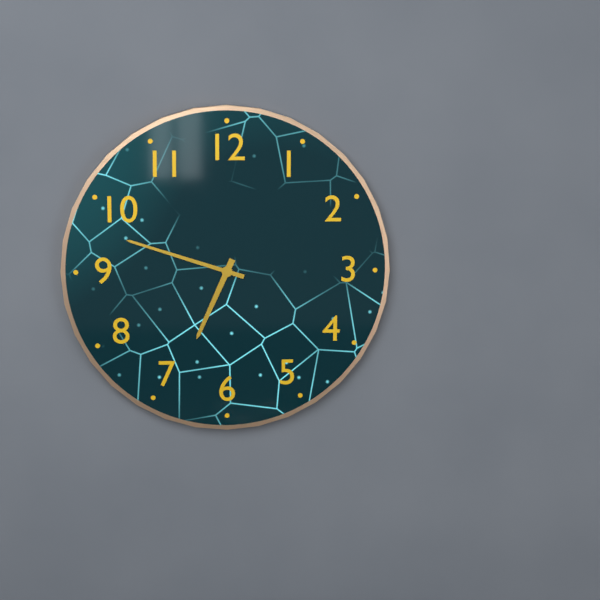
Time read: 6:48
